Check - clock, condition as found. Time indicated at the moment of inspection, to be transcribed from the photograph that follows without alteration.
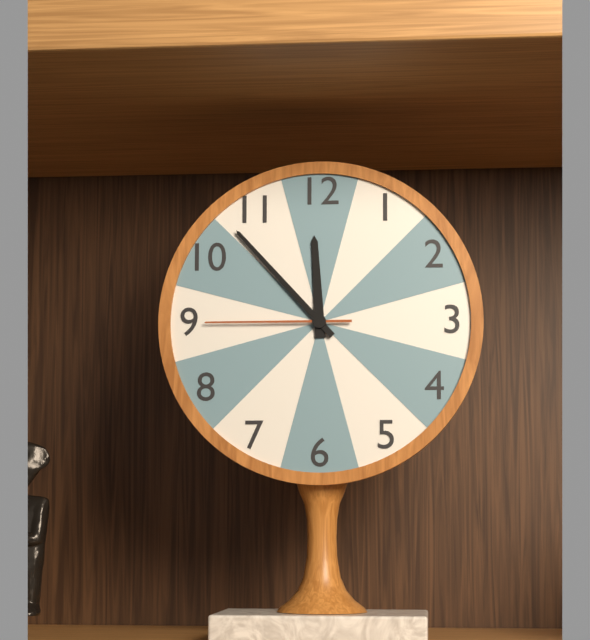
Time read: 11:53:45
